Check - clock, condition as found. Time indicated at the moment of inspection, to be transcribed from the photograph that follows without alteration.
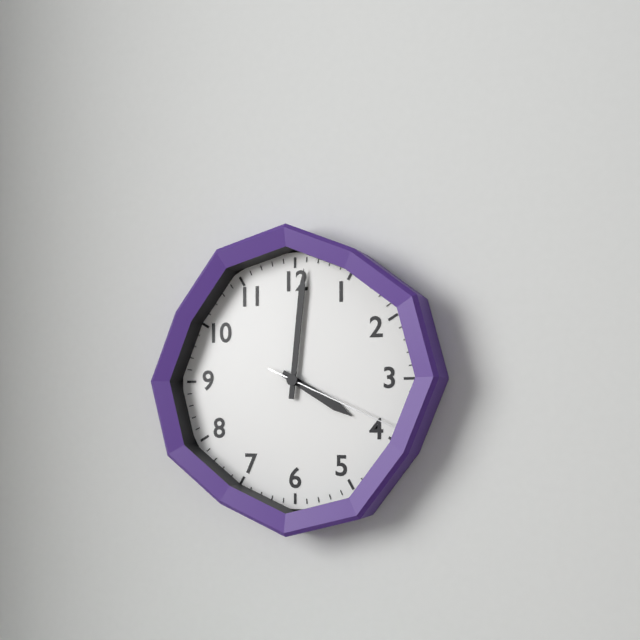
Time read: 4:01:19
